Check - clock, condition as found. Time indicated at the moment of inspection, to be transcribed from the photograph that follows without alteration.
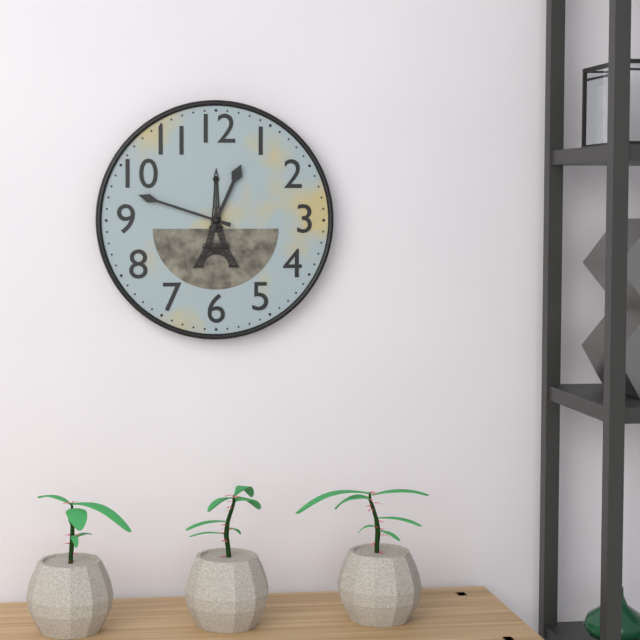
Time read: 12:48
